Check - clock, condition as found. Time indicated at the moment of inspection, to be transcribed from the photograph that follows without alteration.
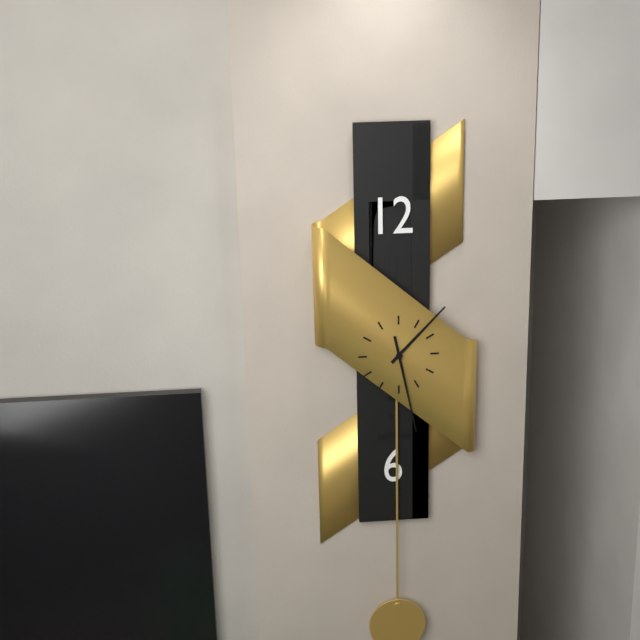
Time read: 1:28
